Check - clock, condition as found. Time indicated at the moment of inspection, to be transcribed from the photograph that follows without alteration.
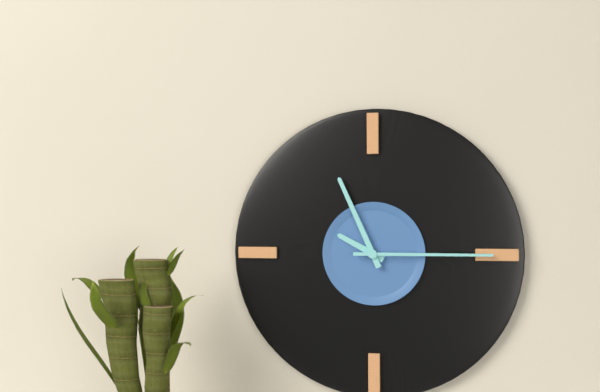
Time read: 9:56:15
